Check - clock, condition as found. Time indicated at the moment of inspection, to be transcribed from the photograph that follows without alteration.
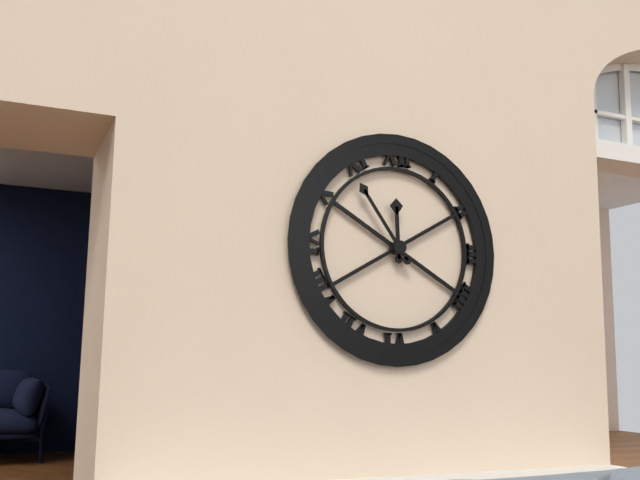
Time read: 11:54
